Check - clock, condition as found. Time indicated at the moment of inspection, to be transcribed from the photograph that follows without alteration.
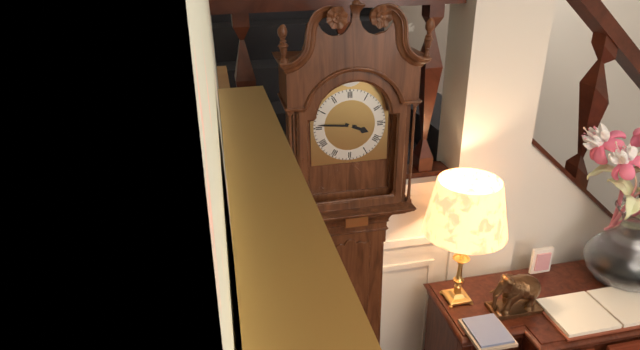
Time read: 3:46
